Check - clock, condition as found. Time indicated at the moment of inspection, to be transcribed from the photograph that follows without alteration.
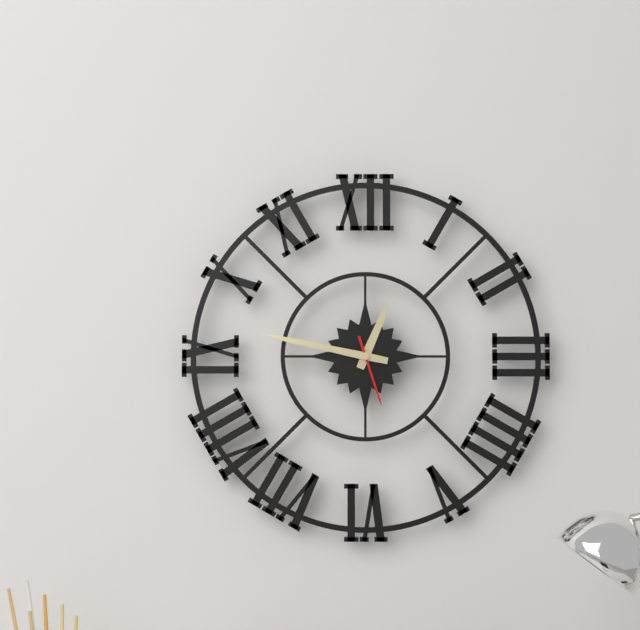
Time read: 12:47:27
